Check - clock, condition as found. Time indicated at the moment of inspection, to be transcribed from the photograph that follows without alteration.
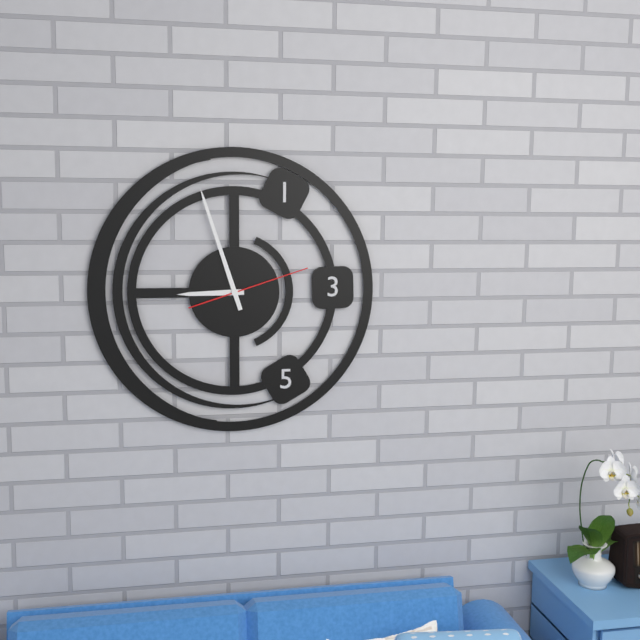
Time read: 8:57:12
